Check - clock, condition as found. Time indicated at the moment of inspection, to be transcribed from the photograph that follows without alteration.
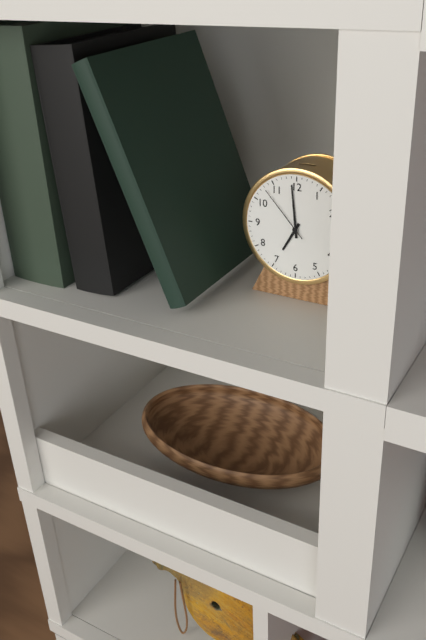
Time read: 6:59:53
